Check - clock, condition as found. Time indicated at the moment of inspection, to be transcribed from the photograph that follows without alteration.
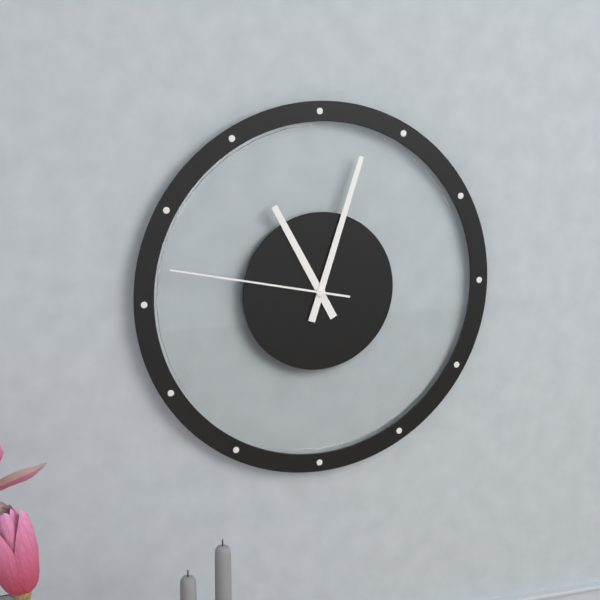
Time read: 11:03:47
